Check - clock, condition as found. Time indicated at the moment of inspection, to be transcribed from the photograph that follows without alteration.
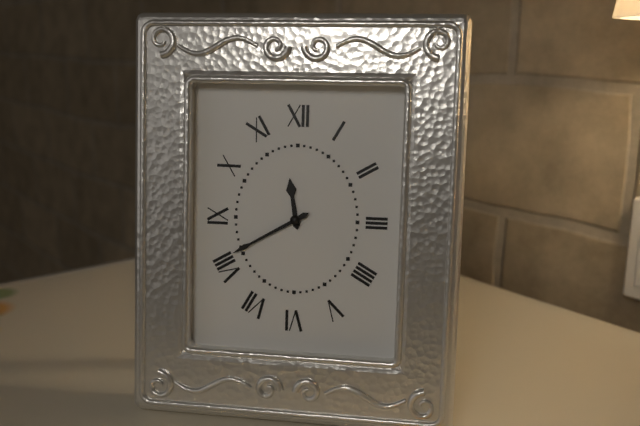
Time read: 11:40
